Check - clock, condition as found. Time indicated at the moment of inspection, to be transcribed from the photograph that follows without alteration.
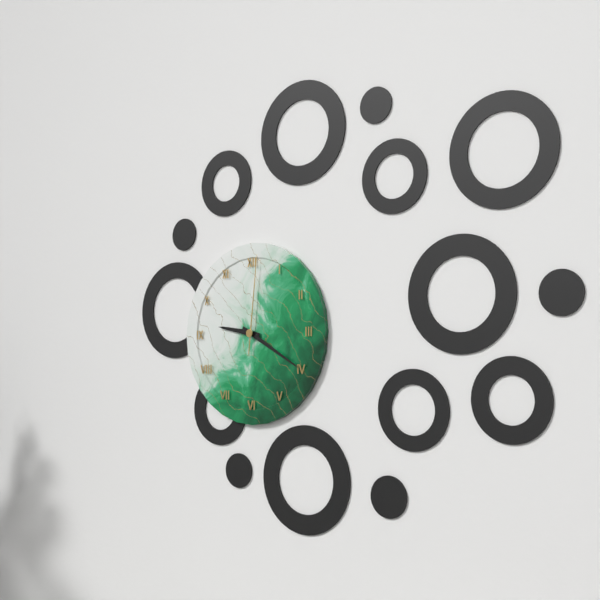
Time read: 9:20:01
